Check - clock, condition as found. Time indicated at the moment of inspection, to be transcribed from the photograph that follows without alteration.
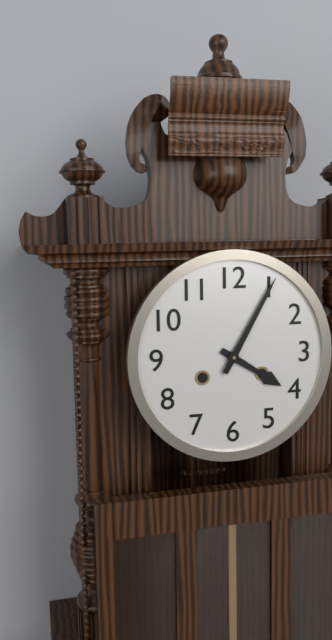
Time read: 4:05
